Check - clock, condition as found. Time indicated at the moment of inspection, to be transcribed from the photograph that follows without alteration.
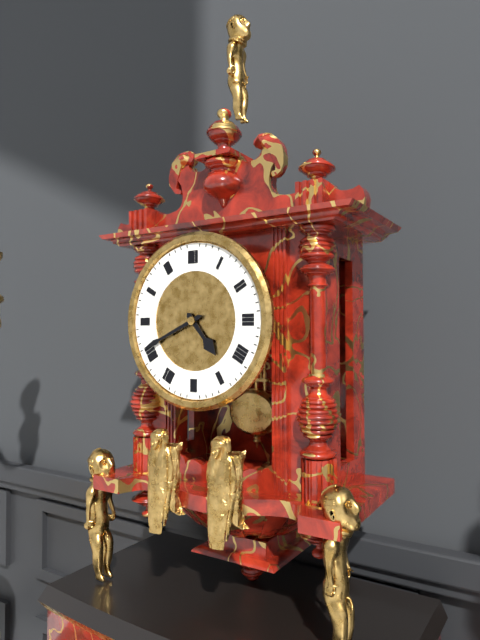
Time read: 4:41
